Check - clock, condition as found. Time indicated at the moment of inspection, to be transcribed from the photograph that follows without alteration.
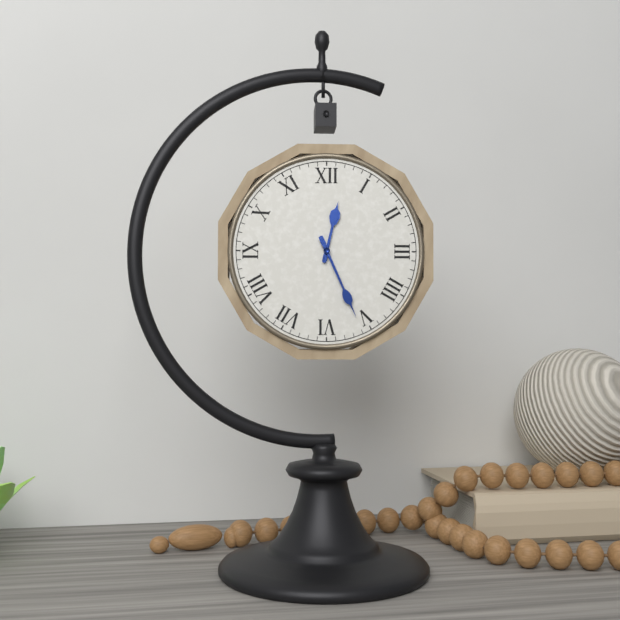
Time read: 12:26
